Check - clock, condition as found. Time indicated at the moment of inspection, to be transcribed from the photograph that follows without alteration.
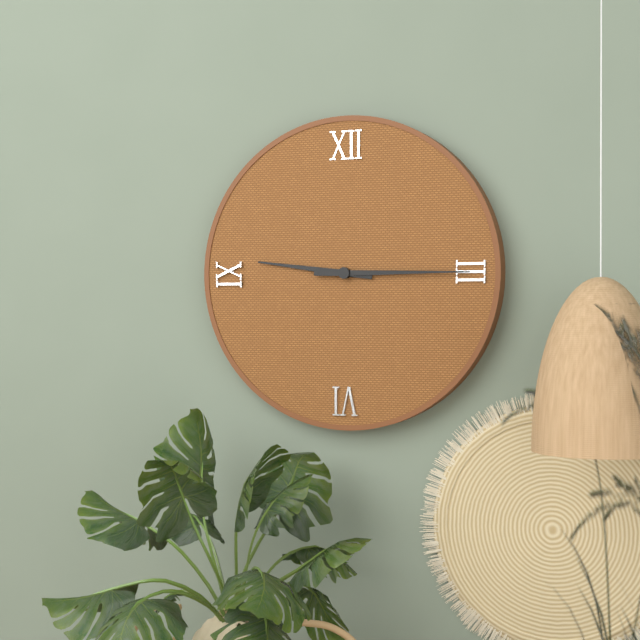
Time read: 9:15
